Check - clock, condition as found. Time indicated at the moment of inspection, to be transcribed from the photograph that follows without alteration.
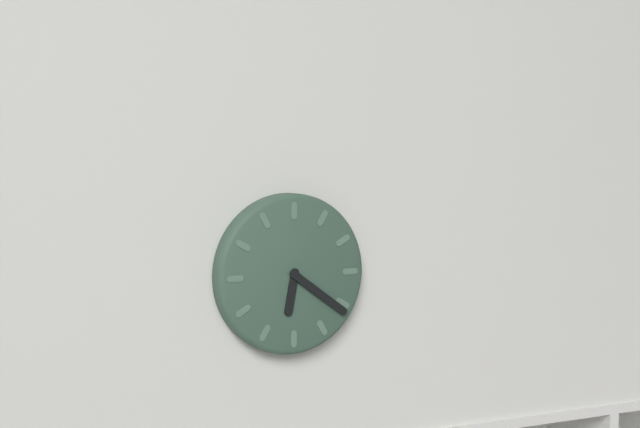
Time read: 6:21
